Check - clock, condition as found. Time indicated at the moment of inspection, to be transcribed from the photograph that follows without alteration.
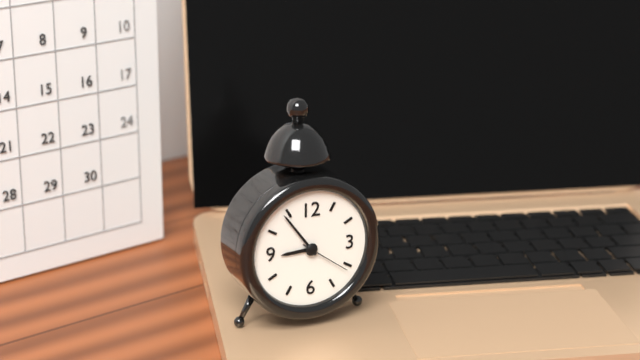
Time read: 8:54:21
